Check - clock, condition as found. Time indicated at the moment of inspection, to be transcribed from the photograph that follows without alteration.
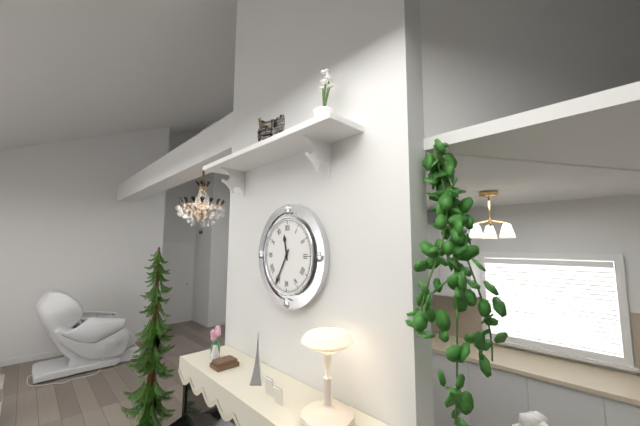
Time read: 11:35
